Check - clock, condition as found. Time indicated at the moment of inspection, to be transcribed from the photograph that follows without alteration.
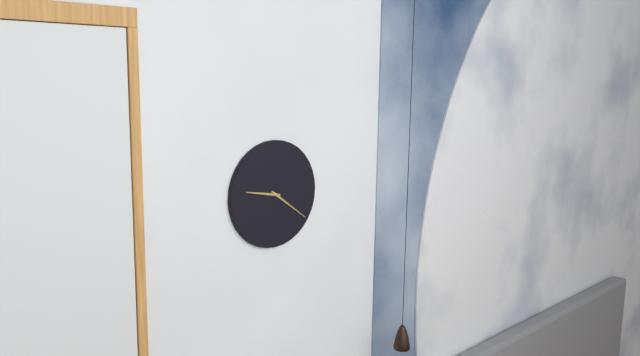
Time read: 9:21
